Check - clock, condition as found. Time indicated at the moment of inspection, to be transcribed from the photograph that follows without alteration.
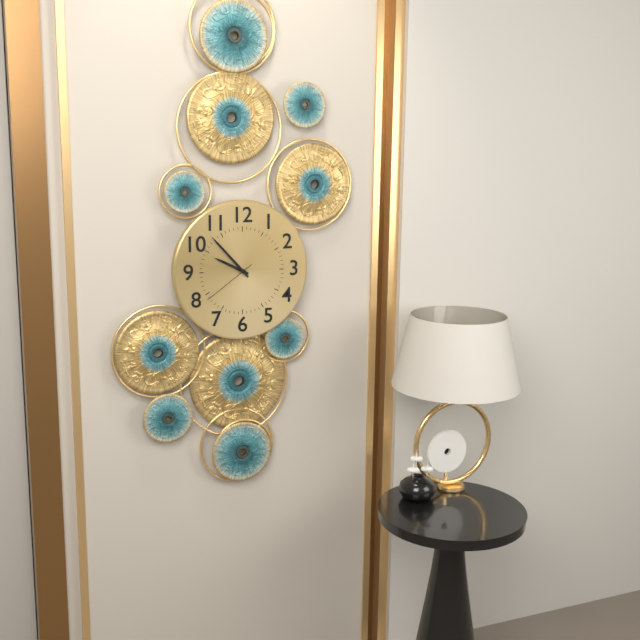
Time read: 9:53:39
